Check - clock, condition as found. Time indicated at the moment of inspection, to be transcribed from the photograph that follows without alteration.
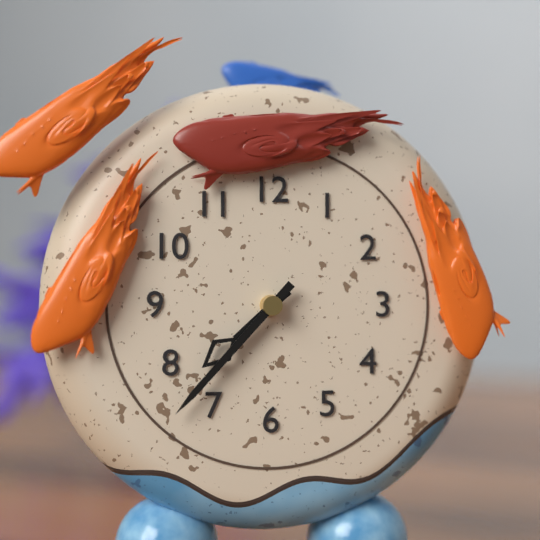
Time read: 7:37
